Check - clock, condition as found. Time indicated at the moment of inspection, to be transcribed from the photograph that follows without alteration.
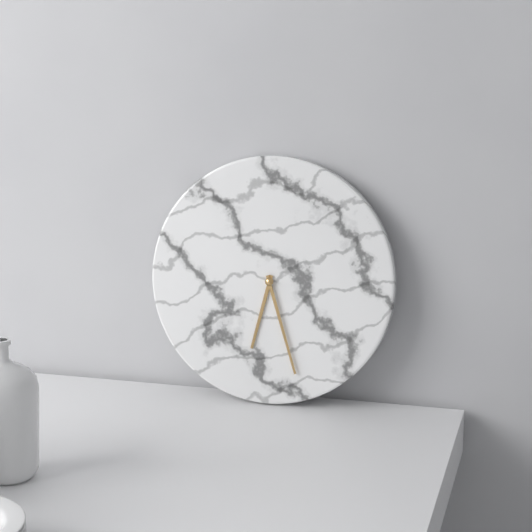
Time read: 6:27
